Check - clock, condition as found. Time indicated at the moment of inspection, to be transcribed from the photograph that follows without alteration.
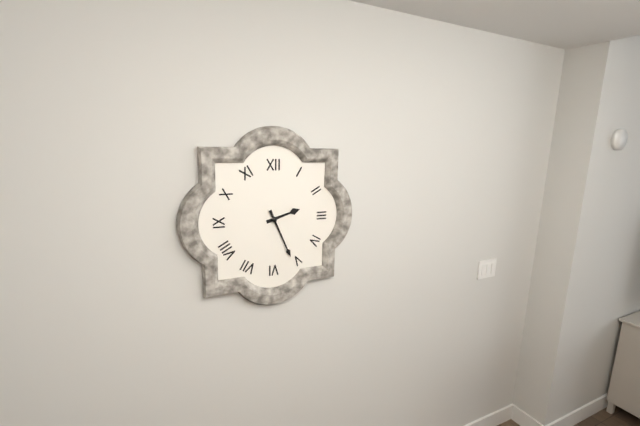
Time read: 2:26
